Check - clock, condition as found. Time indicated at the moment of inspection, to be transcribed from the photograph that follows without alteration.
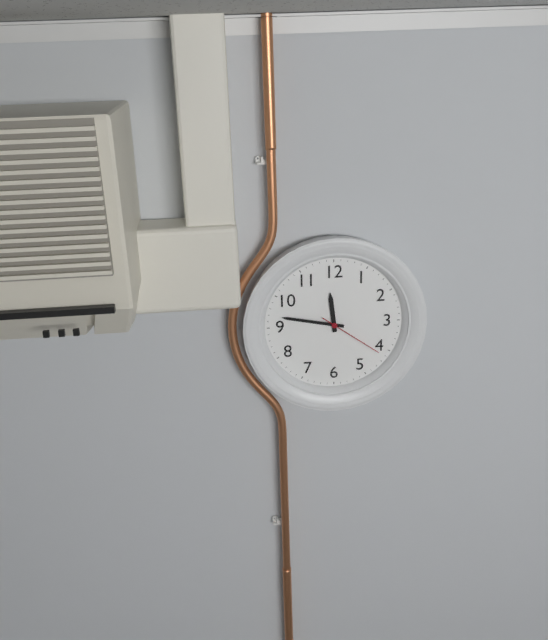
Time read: 11:47:21
